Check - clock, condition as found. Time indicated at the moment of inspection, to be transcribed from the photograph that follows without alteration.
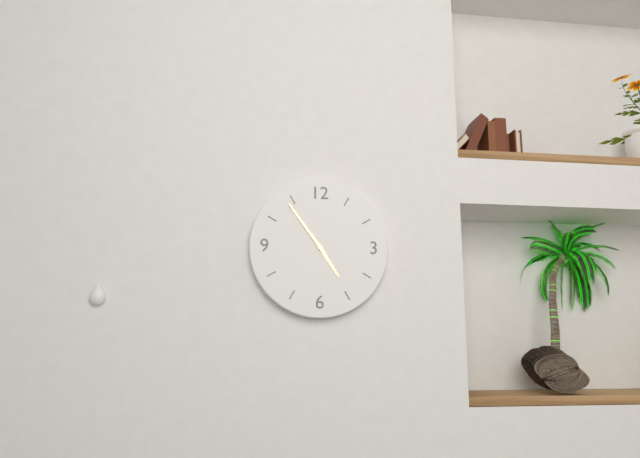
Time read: 4:54
